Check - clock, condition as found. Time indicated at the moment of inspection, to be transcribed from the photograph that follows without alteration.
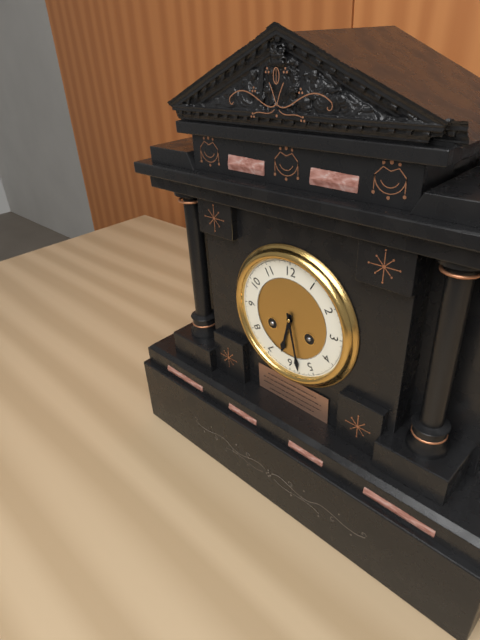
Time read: 6:28
